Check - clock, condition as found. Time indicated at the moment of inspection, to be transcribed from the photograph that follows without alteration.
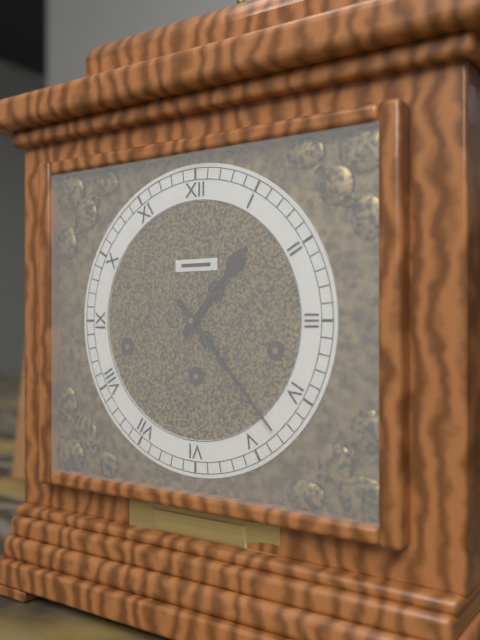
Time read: 1:23
